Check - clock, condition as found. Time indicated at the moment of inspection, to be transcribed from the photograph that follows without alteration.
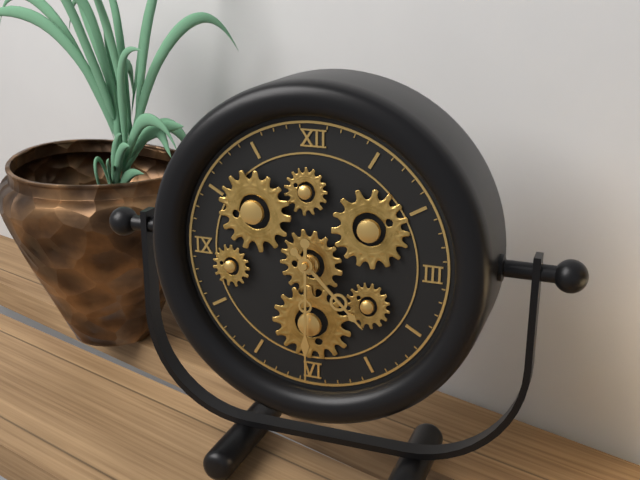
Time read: 4:30
